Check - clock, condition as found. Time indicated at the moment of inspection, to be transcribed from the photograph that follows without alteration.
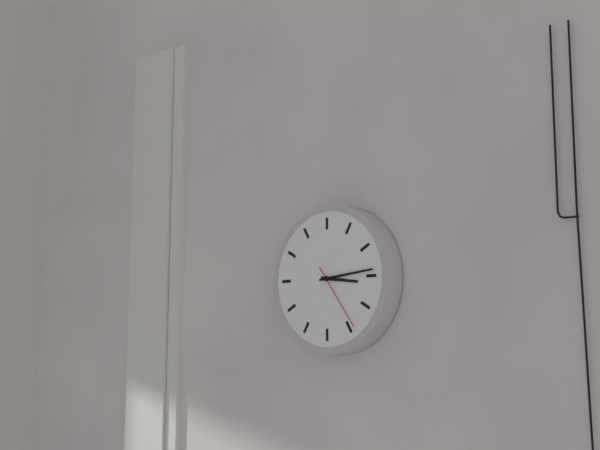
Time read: 3:14:24
